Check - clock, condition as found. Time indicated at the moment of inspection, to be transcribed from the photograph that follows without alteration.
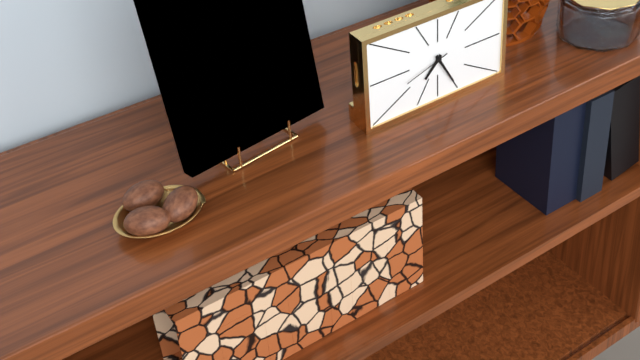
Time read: 7:25
